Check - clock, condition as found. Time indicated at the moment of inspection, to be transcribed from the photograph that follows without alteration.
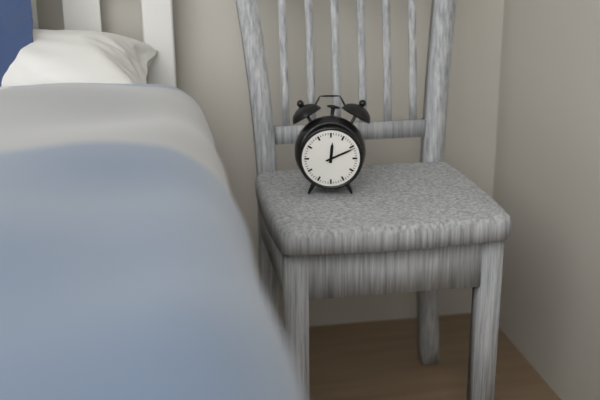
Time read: 12:11
